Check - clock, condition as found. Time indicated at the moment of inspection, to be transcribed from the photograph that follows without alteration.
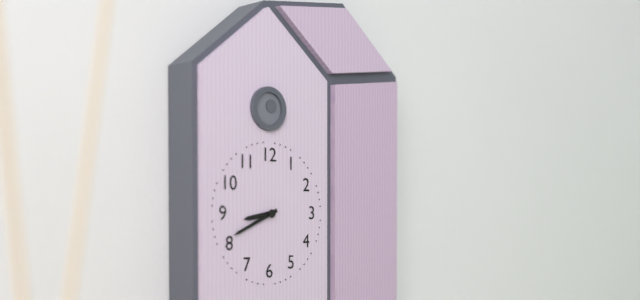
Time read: 8:41
